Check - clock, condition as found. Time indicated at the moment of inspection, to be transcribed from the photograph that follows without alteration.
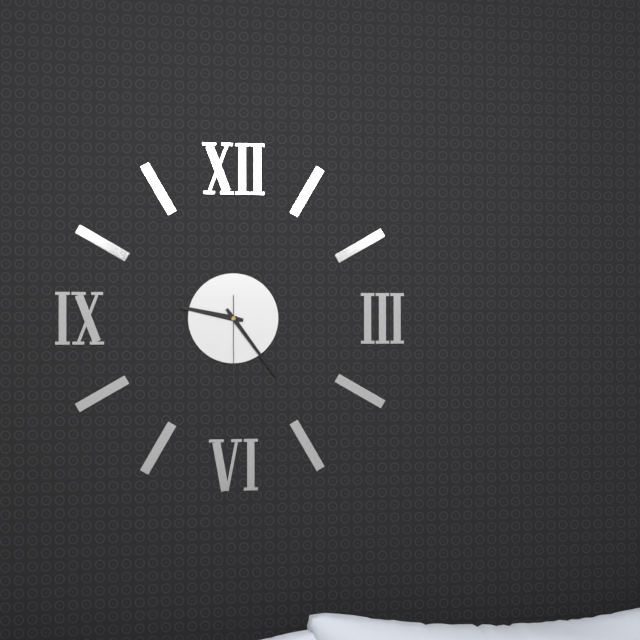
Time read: 9:24:30
